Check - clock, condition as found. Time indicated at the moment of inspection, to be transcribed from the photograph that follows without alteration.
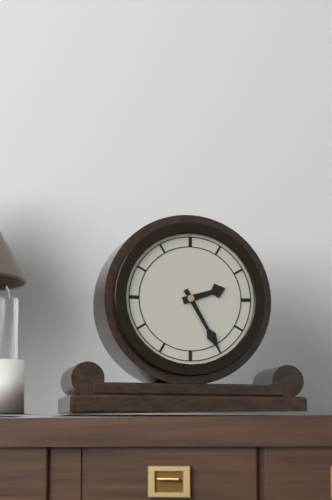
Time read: 2:25
